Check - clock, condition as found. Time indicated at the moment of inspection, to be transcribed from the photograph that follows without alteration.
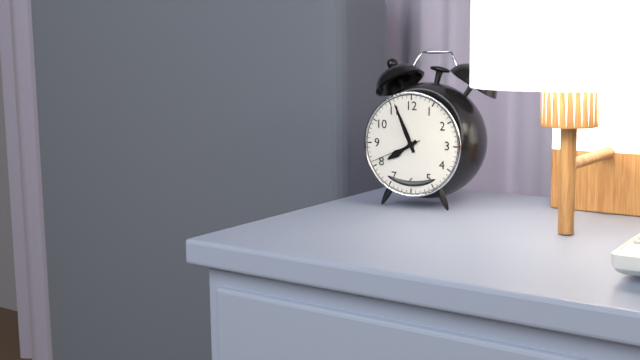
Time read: 7:56:41
